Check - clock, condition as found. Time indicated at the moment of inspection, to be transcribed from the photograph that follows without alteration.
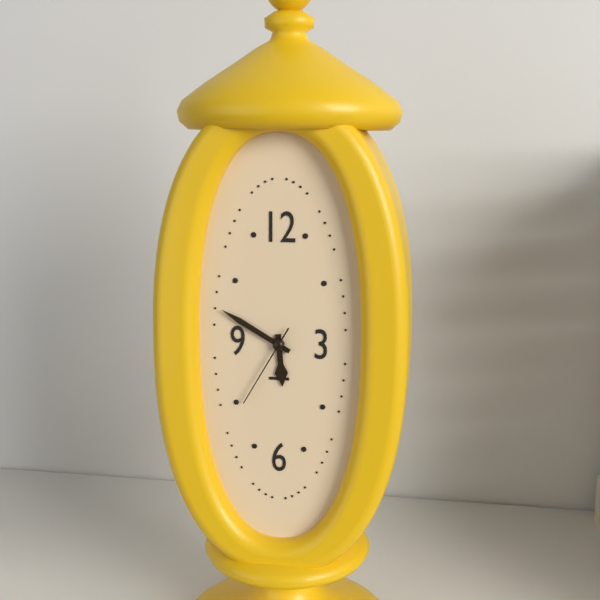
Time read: 5:50:35
